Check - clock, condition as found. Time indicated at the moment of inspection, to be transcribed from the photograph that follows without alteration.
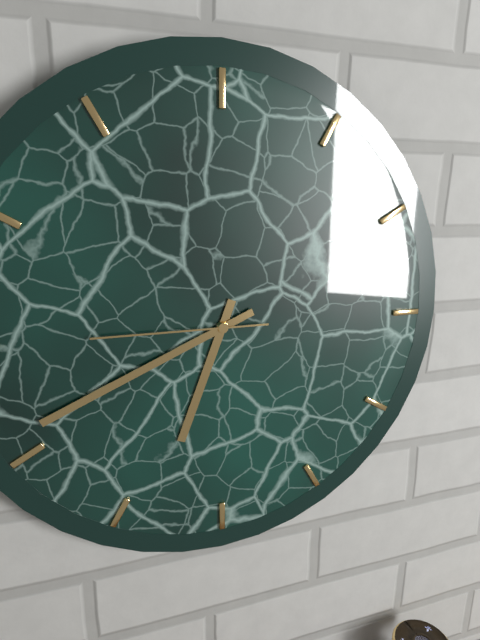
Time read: 6:41:45
